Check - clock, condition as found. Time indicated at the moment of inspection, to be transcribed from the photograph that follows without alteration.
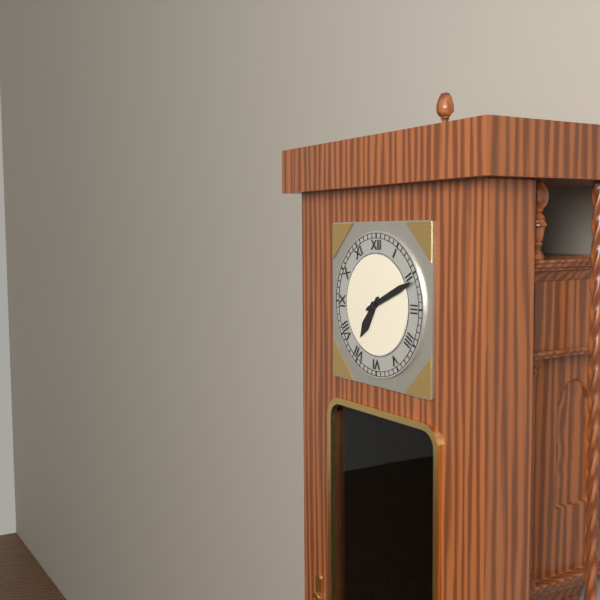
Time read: 7:11
